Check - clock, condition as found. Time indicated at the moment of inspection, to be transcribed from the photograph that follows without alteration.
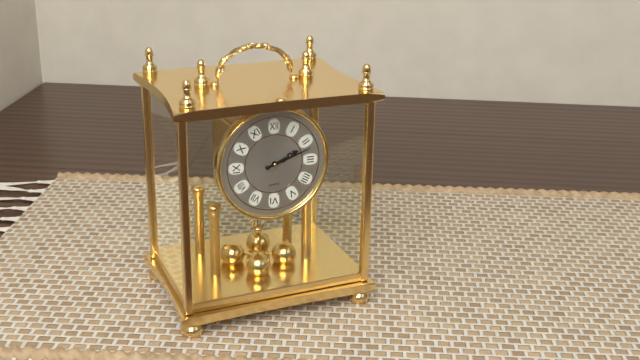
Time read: 2:12
